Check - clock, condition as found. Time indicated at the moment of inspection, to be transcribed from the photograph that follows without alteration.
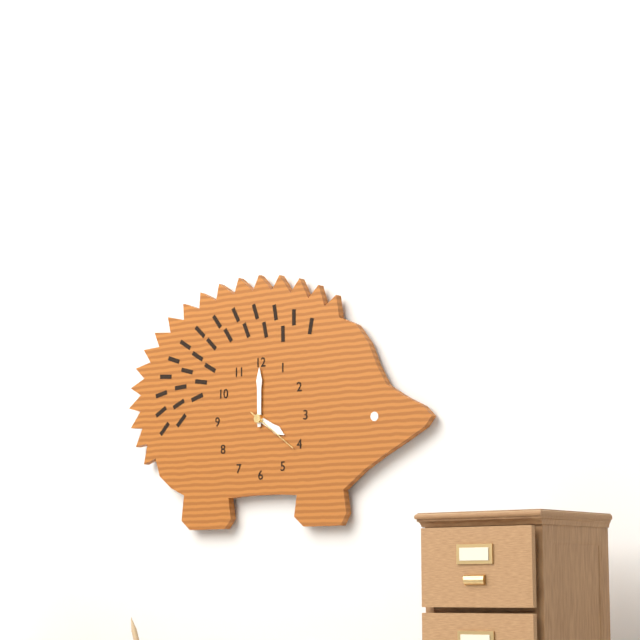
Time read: 4:00:21
